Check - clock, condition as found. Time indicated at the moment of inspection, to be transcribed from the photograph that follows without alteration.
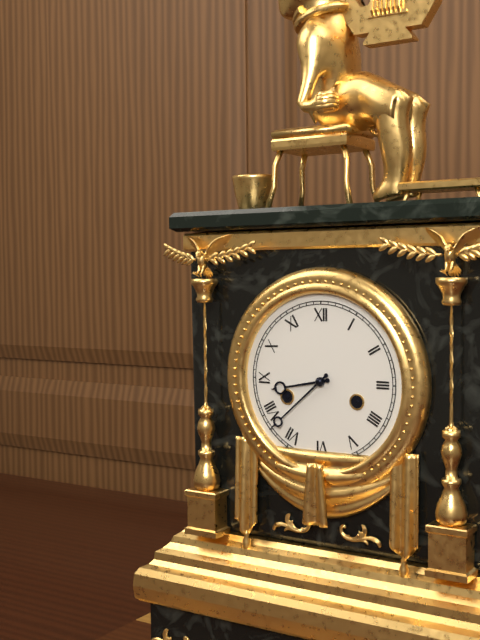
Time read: 8:38
